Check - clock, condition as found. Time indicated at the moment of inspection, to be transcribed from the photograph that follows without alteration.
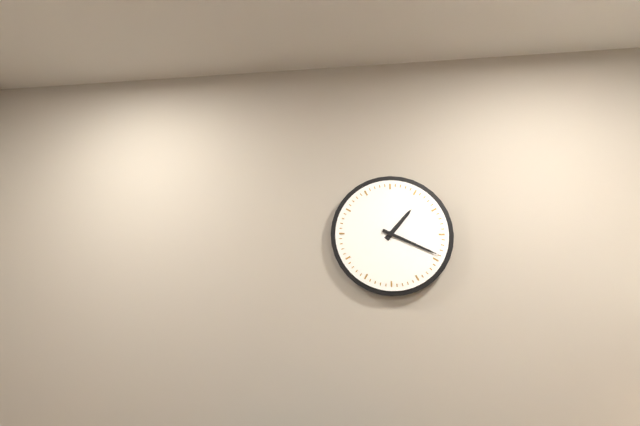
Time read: 1:19
